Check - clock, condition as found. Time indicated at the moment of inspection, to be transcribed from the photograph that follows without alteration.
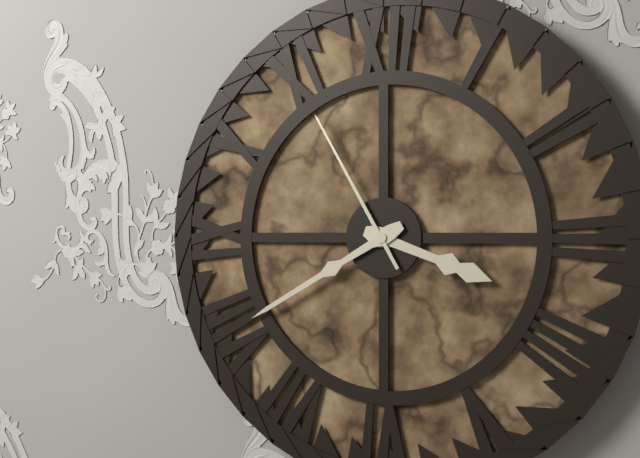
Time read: 3:40:55
